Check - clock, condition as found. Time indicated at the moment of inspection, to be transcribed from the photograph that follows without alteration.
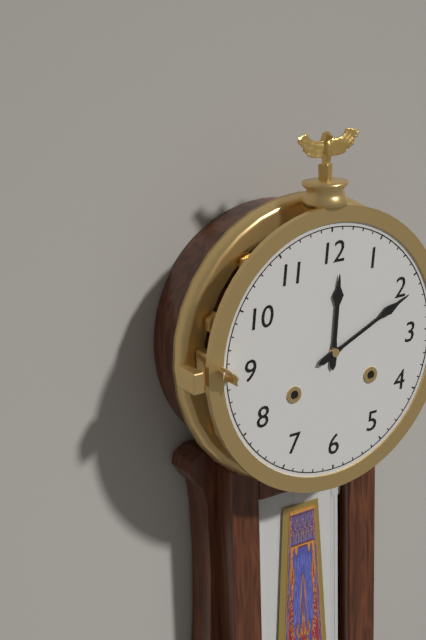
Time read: 12:11
